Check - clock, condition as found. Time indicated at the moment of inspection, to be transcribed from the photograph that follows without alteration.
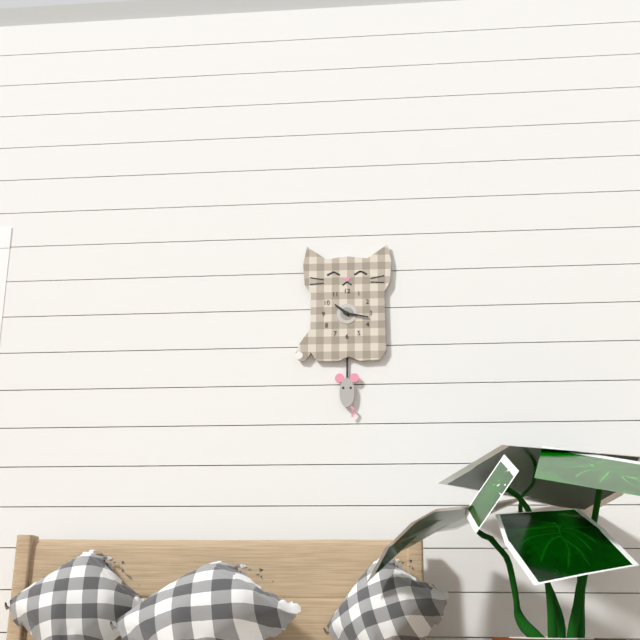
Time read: 10:17
